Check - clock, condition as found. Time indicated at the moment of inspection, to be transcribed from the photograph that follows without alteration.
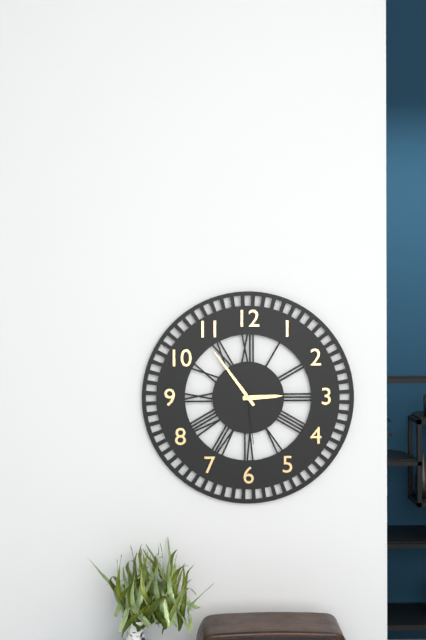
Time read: 2:54:29
